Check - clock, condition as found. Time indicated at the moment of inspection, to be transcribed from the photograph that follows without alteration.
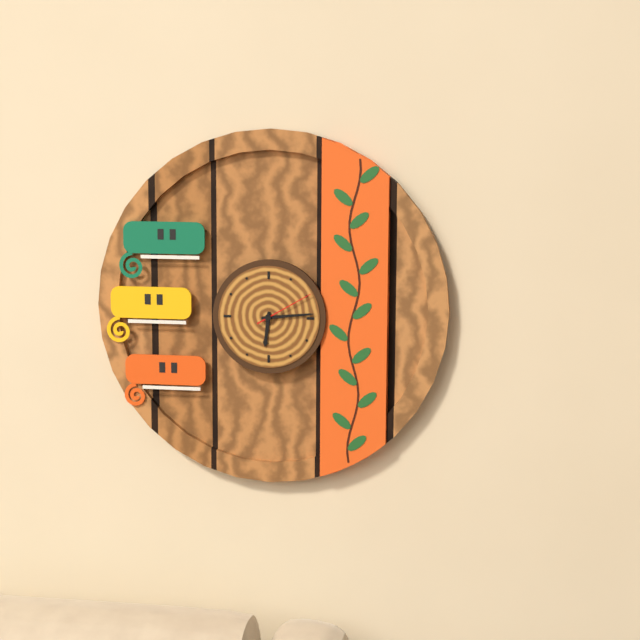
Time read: 6:14:10
